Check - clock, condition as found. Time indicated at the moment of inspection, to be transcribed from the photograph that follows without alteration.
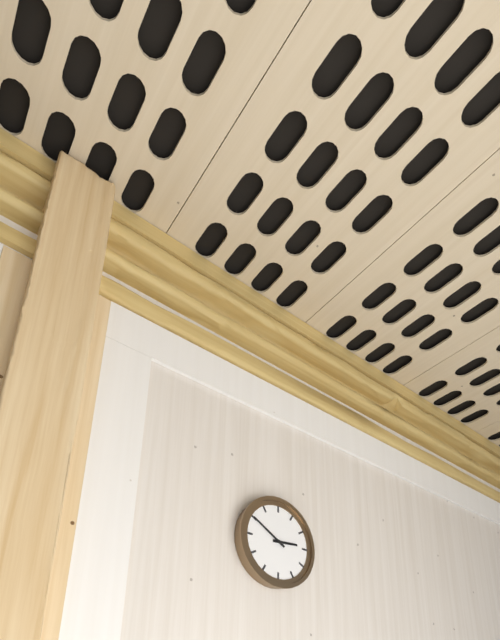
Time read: 2:50
